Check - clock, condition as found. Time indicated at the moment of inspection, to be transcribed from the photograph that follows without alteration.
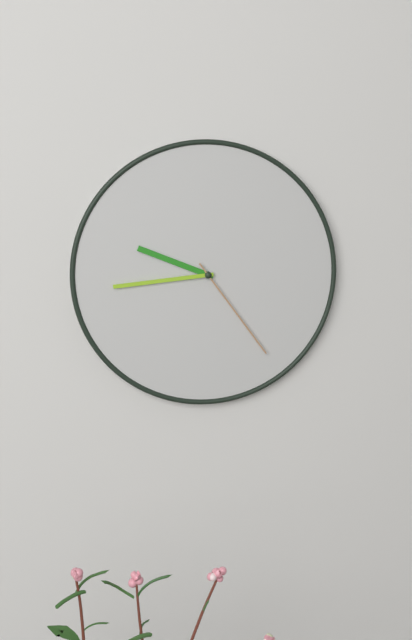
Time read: 9:44:24
